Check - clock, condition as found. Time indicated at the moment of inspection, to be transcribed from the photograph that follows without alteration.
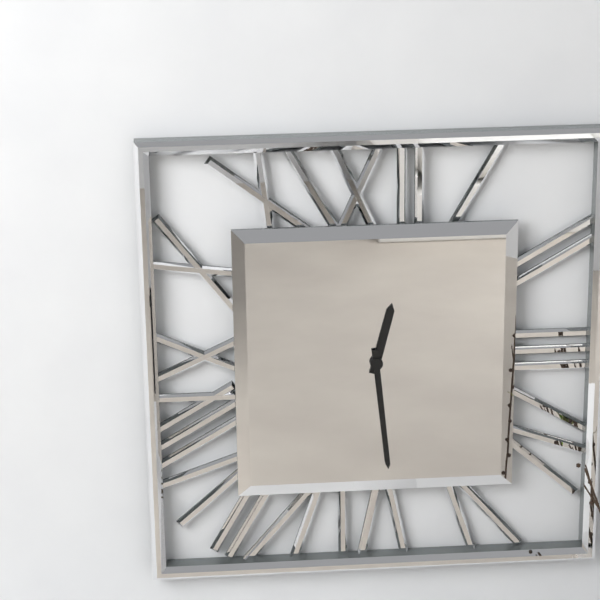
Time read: 12:29
